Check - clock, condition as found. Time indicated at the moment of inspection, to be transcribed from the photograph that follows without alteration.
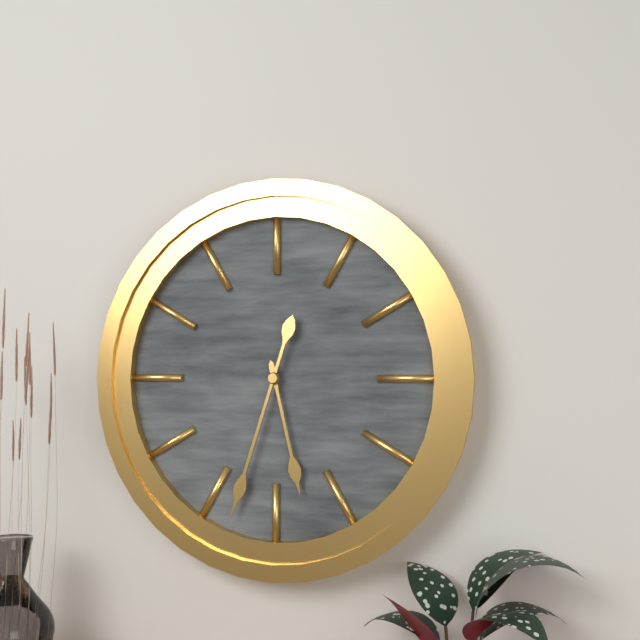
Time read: 5:33
